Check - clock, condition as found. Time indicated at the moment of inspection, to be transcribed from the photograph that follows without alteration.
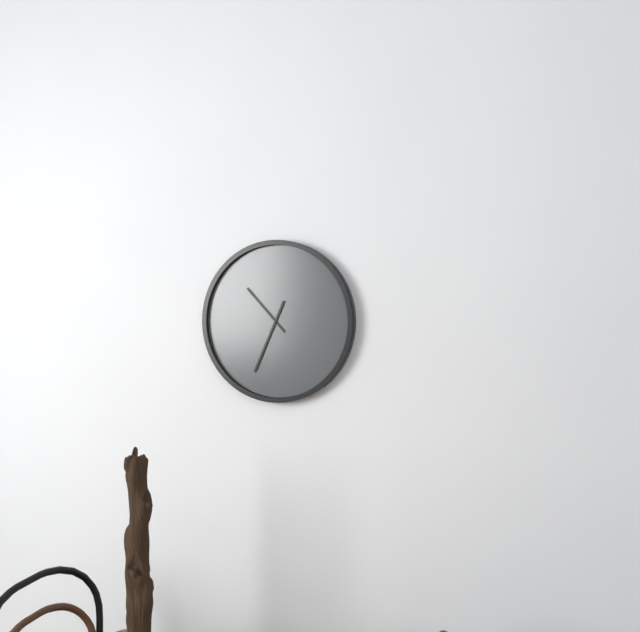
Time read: 10:34
